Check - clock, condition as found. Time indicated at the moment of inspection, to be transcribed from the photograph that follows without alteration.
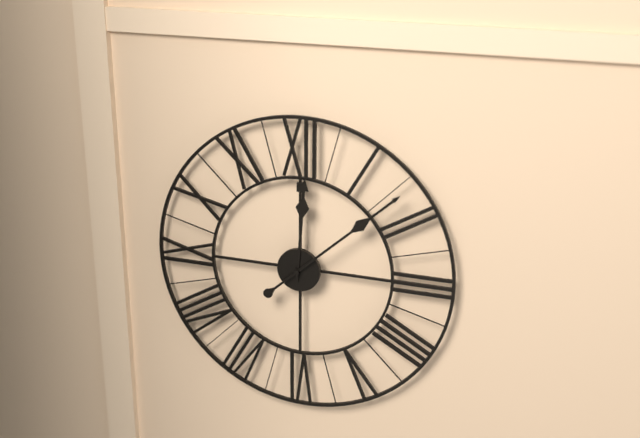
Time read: 12:08
